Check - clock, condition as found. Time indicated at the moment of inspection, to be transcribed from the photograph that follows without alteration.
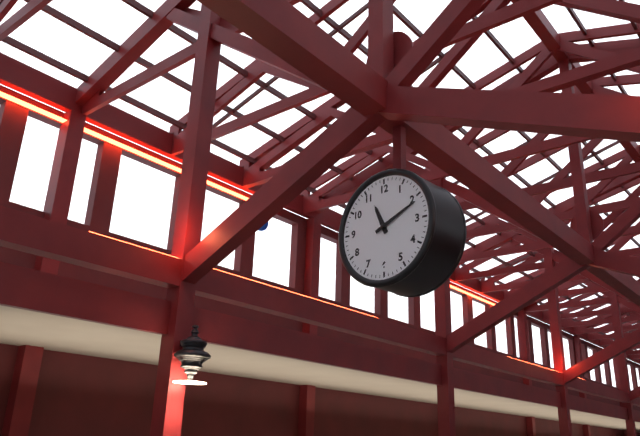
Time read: 11:11
